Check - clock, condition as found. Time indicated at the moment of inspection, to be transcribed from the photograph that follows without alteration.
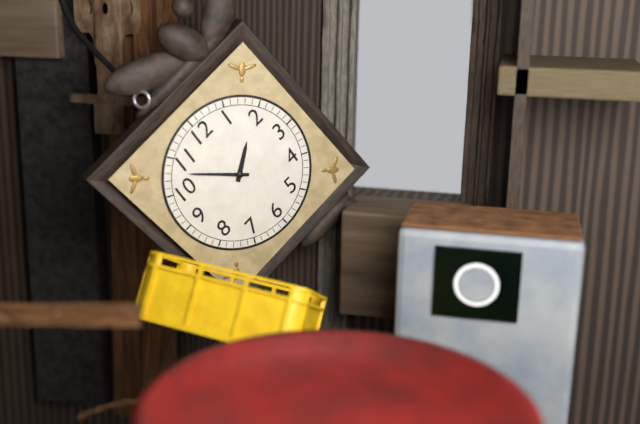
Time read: 1:53
